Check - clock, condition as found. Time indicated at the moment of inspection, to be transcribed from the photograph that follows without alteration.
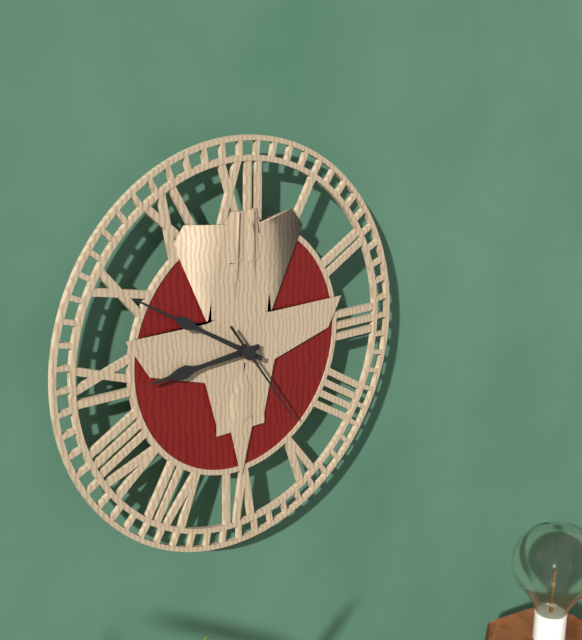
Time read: 8:50:24
